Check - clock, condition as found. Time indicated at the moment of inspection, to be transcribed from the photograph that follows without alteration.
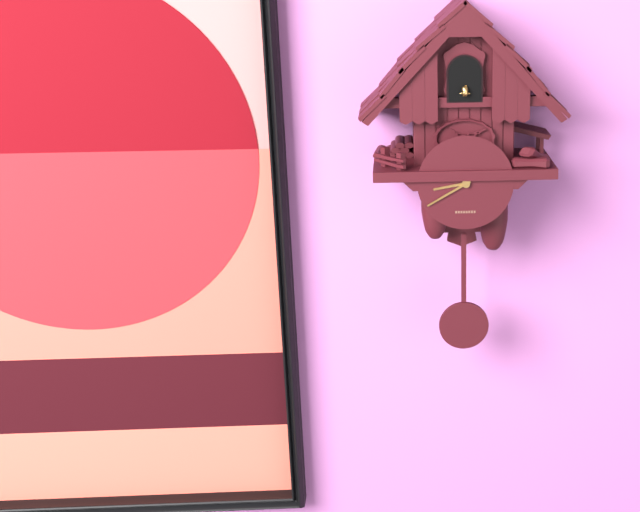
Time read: 8:40
